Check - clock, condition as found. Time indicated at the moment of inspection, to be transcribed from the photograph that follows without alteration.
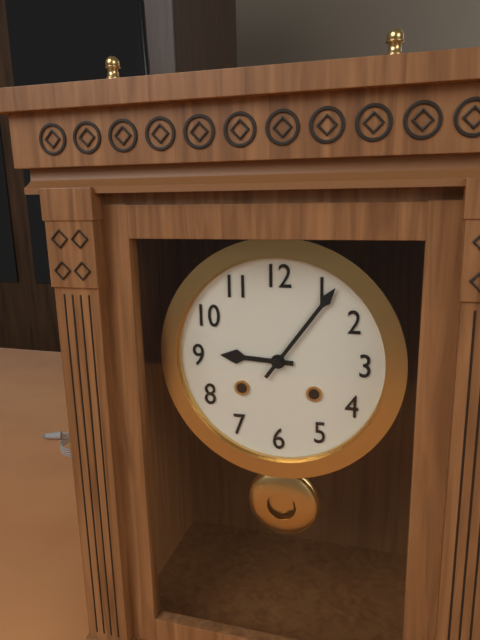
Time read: 9:06
